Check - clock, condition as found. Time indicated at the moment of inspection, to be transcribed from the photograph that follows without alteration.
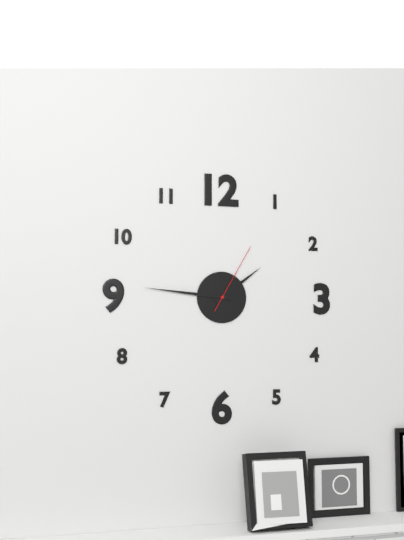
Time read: 1:46:05
